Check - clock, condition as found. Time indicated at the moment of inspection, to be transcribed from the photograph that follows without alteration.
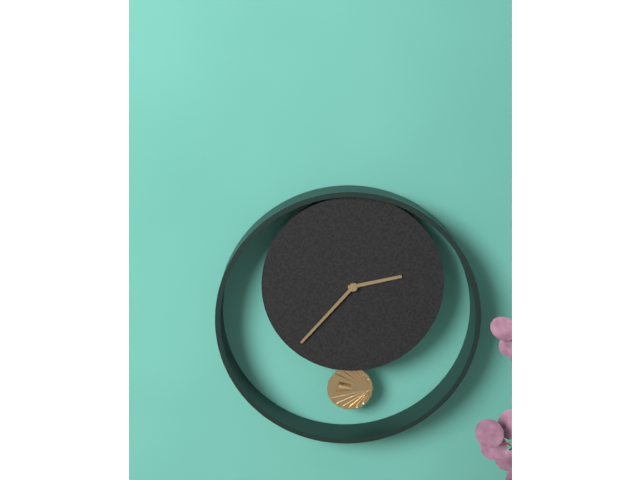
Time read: 2:37
